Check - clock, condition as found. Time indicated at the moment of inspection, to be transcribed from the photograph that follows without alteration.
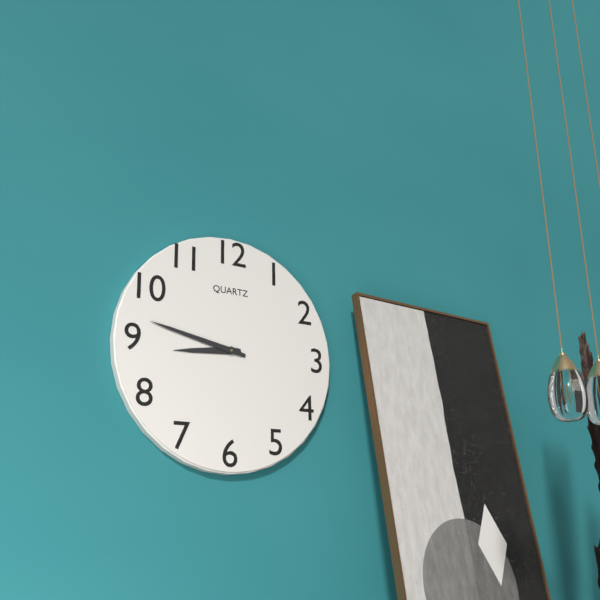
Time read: 8:47
